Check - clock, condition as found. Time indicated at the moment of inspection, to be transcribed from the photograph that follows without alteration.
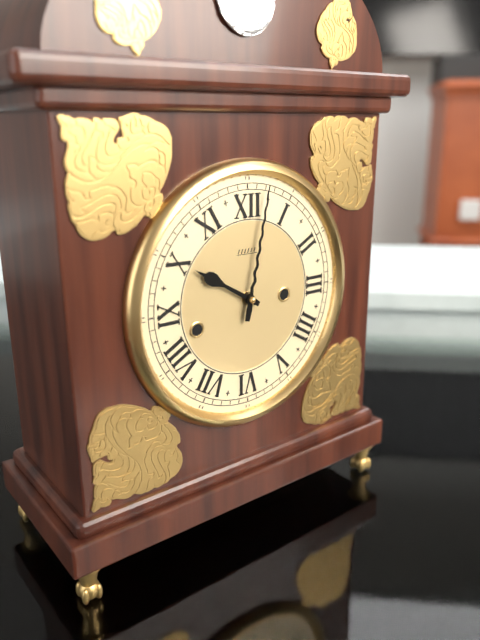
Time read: 10:02
